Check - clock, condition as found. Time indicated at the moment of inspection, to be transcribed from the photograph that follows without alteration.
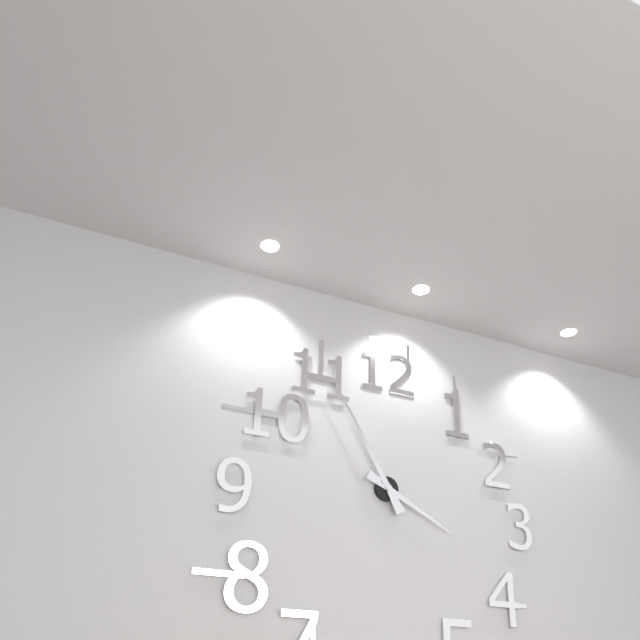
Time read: 3:55
